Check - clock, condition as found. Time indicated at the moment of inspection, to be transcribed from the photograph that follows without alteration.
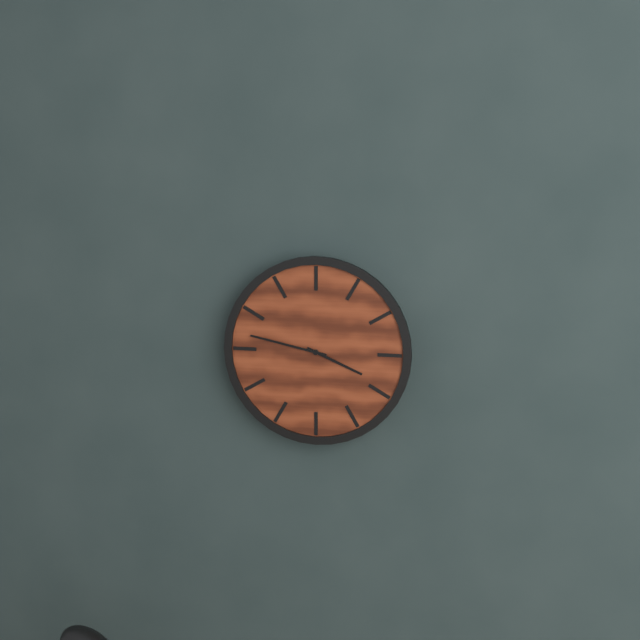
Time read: 3:47
